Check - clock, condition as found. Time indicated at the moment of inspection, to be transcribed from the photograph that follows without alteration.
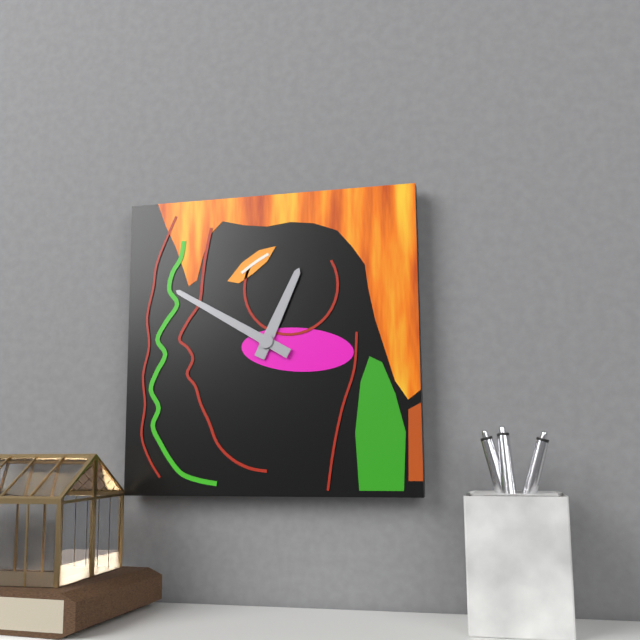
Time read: 12:50
